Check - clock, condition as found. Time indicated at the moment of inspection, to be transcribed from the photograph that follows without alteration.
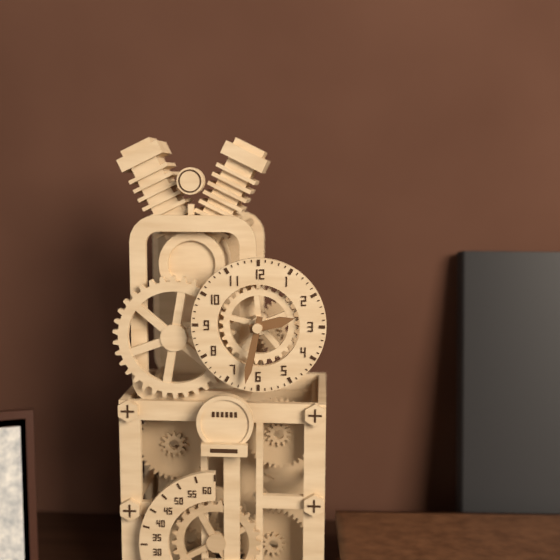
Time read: 2:32
